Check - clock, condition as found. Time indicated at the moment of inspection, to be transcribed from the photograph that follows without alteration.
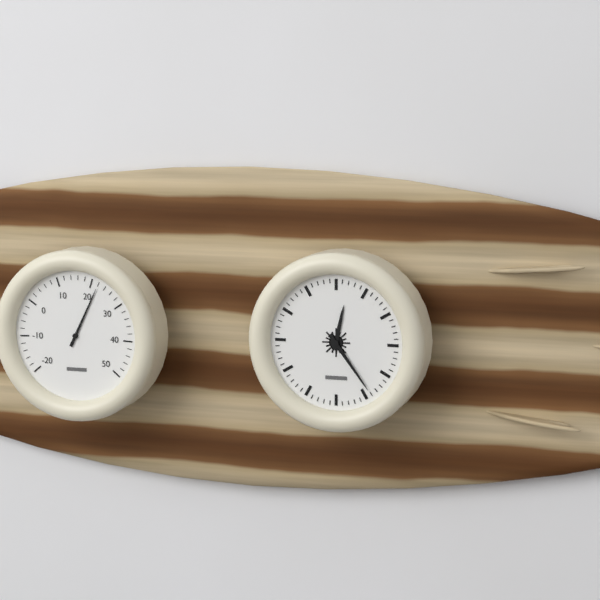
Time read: 12:24
